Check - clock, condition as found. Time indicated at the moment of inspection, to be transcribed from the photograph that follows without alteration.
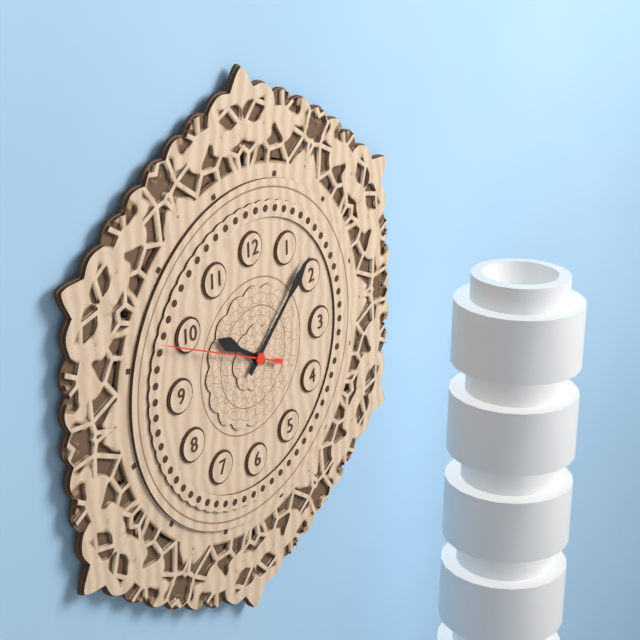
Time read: 10:08:49
